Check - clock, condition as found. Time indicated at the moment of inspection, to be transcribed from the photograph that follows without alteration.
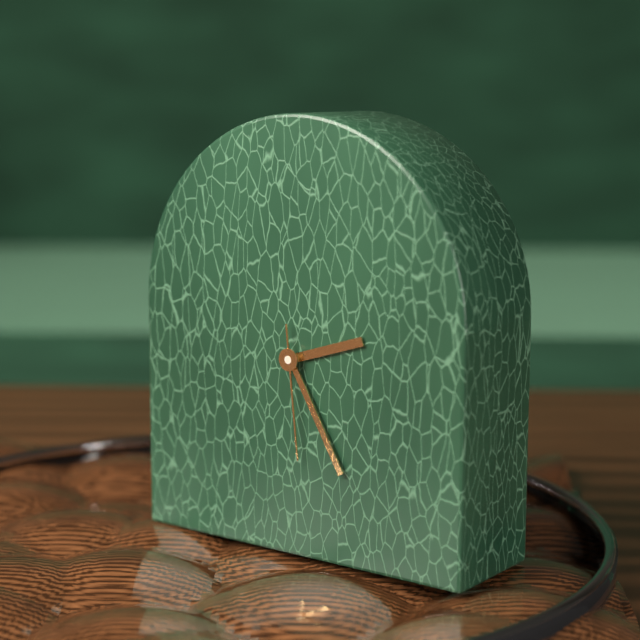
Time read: 2:25:29
